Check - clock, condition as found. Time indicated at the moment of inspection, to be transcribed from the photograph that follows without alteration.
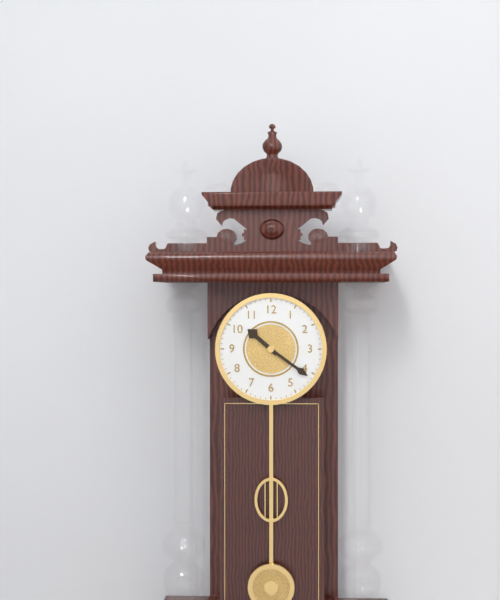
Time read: 10:21
